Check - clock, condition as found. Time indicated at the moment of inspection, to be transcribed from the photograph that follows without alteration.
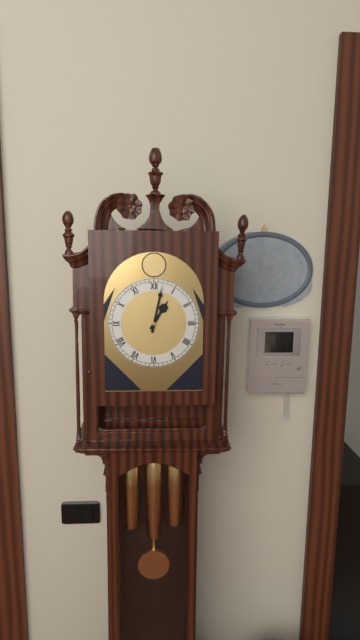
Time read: 1:02
